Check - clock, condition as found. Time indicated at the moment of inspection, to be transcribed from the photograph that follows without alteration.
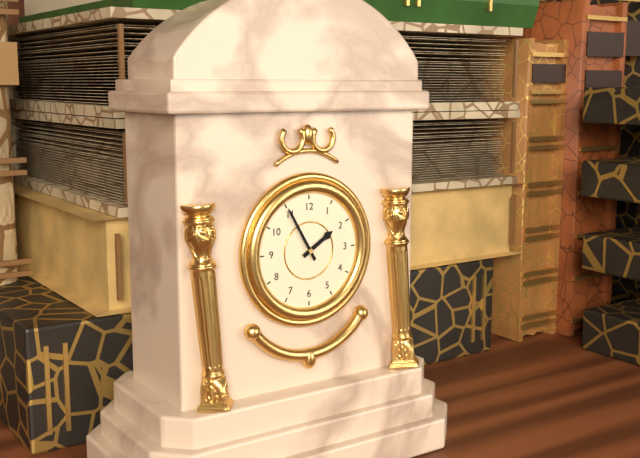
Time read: 1:55
